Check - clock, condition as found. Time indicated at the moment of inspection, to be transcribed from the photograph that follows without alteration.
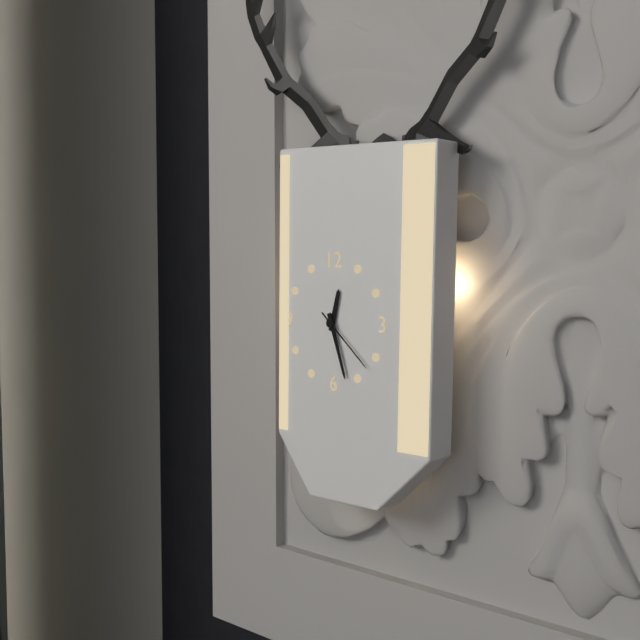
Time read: 12:27:22
